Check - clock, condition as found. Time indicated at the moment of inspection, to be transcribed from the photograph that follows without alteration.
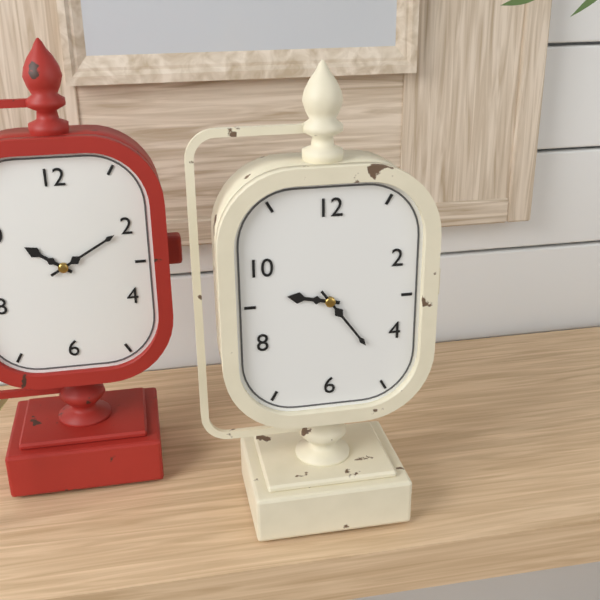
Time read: 9:24
